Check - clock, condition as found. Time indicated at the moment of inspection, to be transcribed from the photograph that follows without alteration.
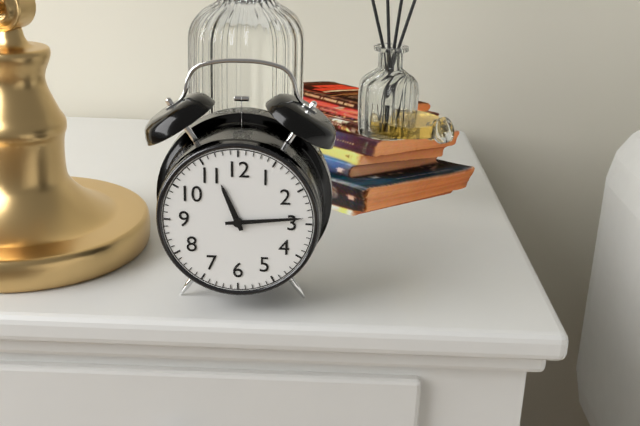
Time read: 11:14
